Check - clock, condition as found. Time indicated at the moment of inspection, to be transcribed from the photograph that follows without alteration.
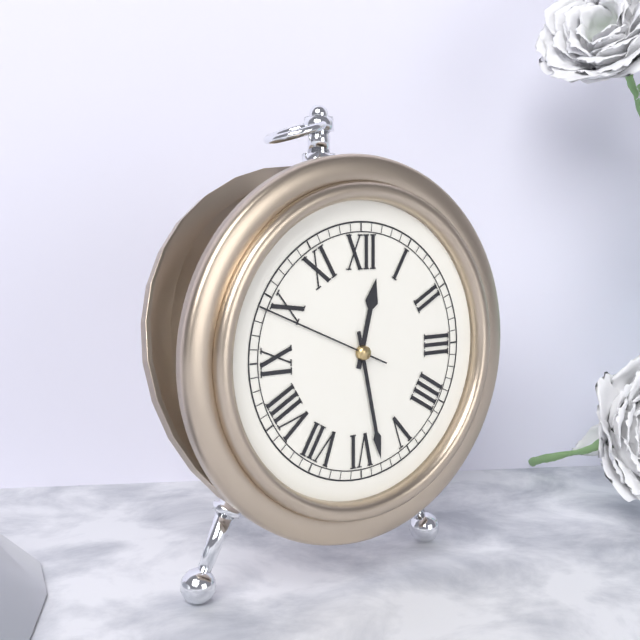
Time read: 12:28:49
